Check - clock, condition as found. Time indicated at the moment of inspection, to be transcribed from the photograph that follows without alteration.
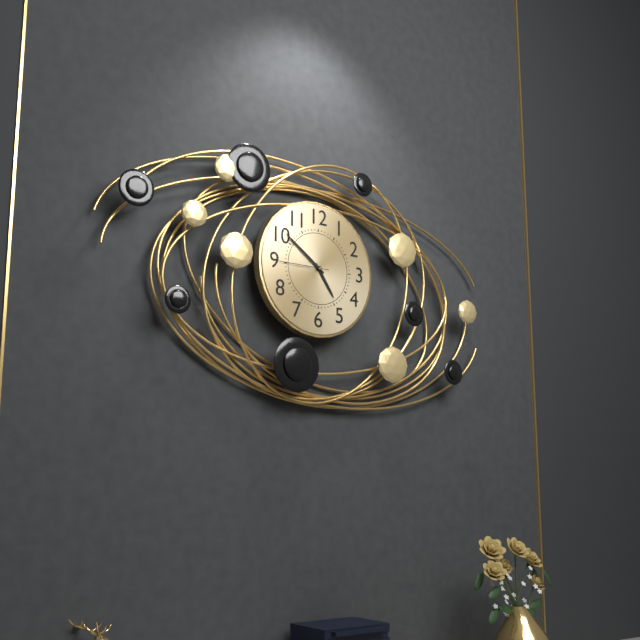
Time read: 4:51:45
